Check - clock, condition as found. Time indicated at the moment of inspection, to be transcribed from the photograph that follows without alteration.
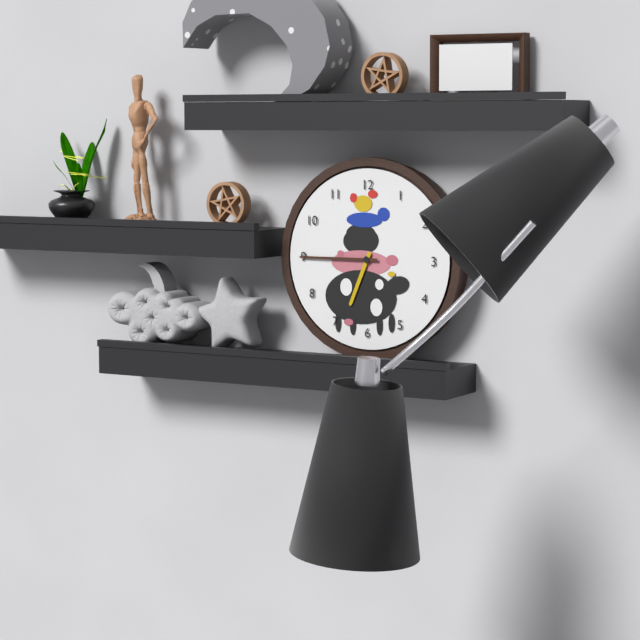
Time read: 6:45
